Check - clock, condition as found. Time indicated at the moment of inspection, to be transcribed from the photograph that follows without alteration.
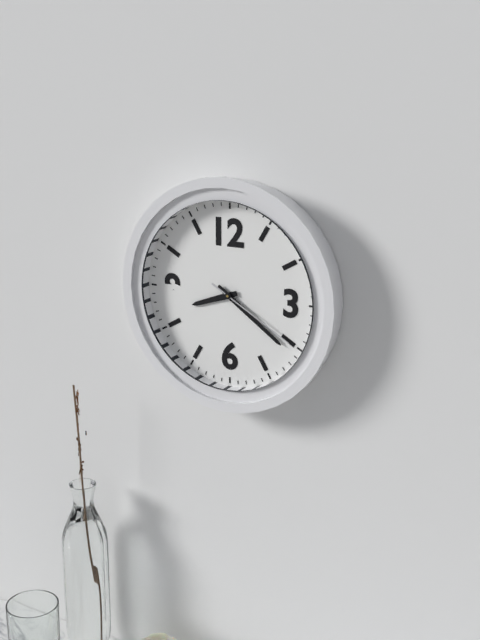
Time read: 8:21:20
